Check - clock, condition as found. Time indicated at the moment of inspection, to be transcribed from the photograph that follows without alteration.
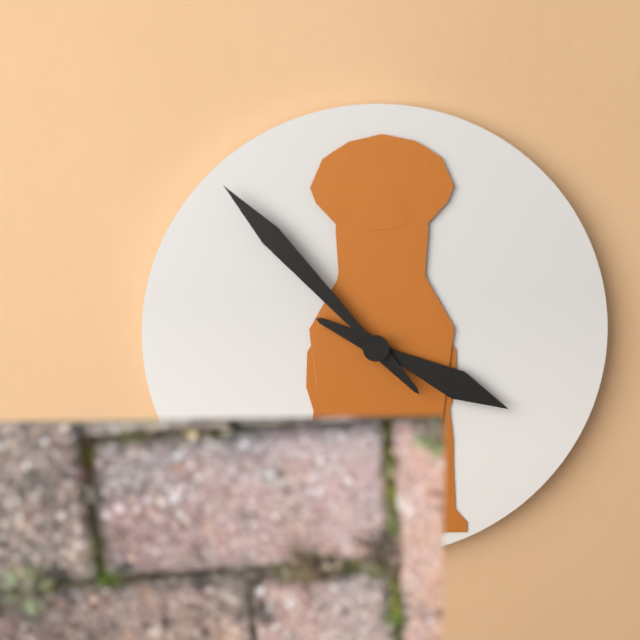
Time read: 3:53
